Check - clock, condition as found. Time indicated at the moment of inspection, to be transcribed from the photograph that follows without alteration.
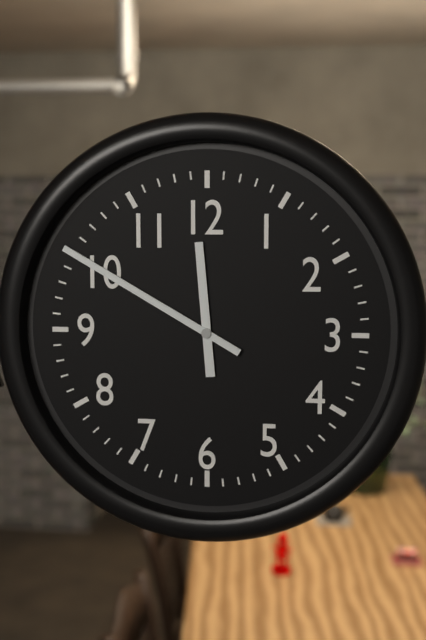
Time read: 11:50
